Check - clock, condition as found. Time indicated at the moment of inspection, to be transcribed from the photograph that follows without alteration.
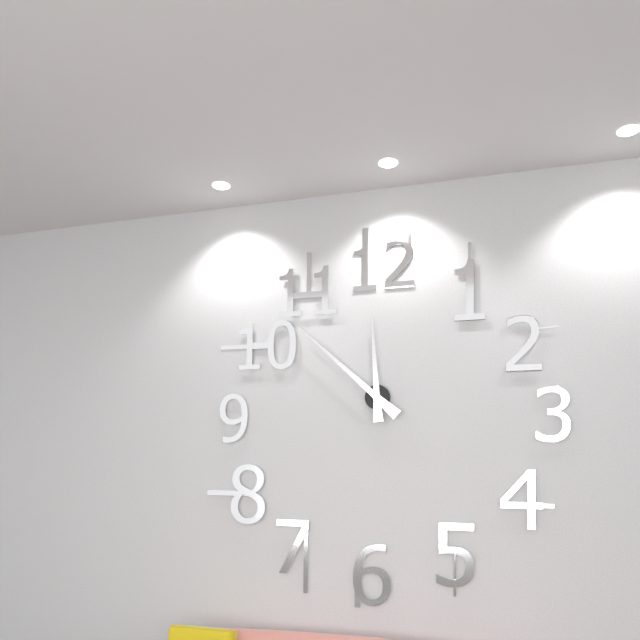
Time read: 11:52
